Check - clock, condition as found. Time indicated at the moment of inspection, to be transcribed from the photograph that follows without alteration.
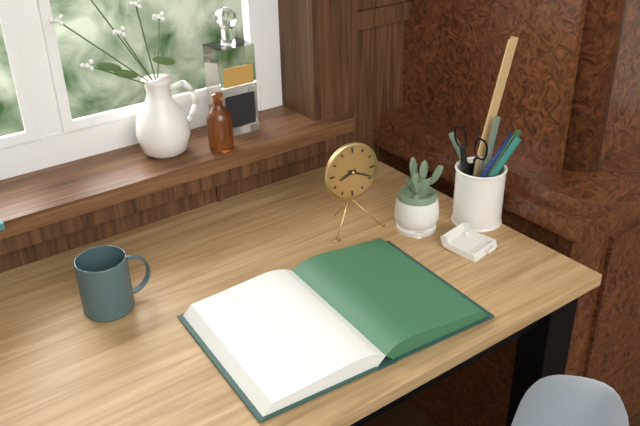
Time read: 8:19
